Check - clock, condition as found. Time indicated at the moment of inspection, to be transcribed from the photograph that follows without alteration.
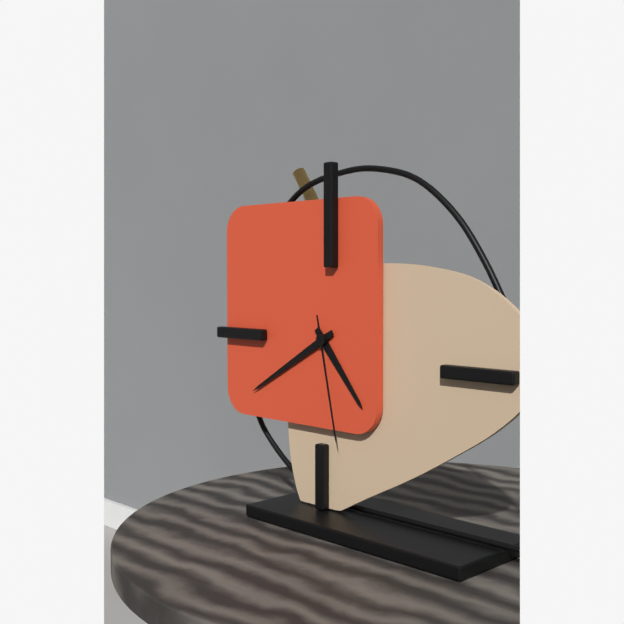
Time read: 4:40:28
